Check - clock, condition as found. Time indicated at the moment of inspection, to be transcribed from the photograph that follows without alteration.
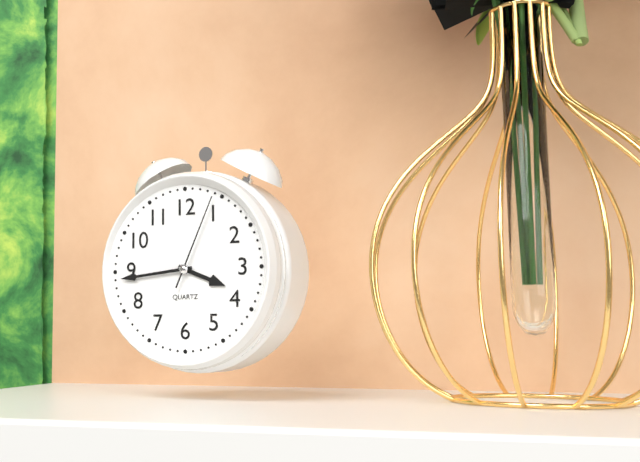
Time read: 3:44:04
